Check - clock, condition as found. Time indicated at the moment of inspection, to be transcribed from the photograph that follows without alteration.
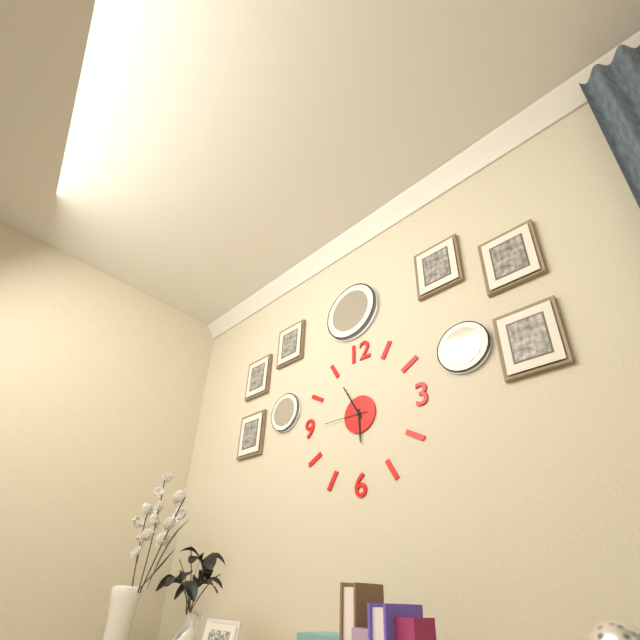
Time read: 5:55
